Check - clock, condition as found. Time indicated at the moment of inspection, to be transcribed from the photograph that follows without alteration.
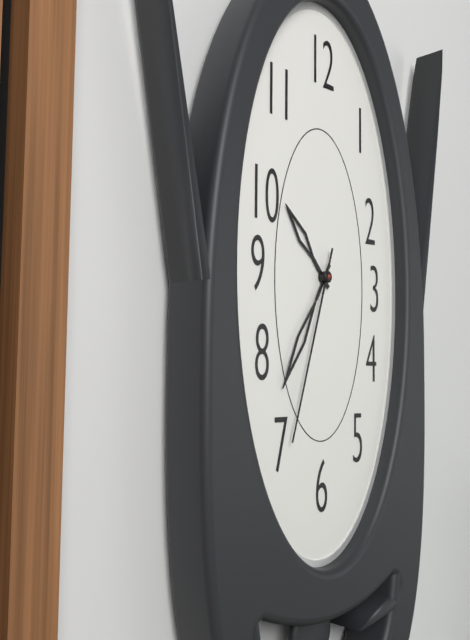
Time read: 10:35:33
